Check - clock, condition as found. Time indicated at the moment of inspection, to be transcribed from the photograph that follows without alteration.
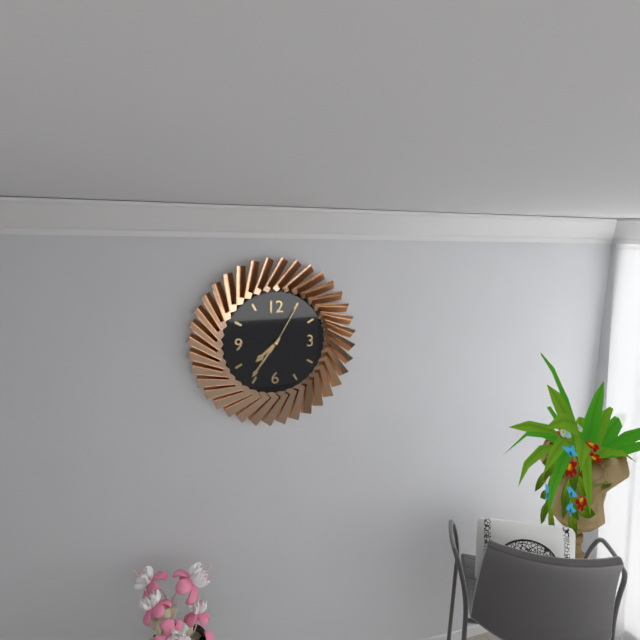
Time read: 7:36:05
